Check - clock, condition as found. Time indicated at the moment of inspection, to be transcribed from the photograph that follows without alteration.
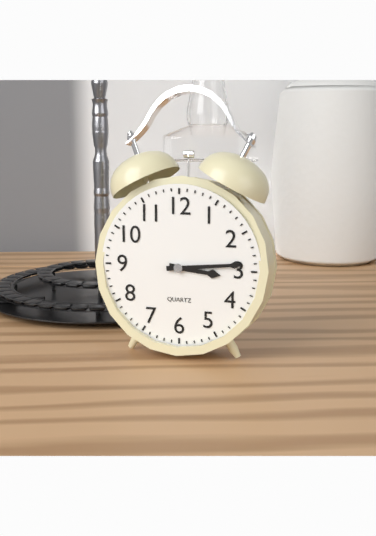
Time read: 3:14
